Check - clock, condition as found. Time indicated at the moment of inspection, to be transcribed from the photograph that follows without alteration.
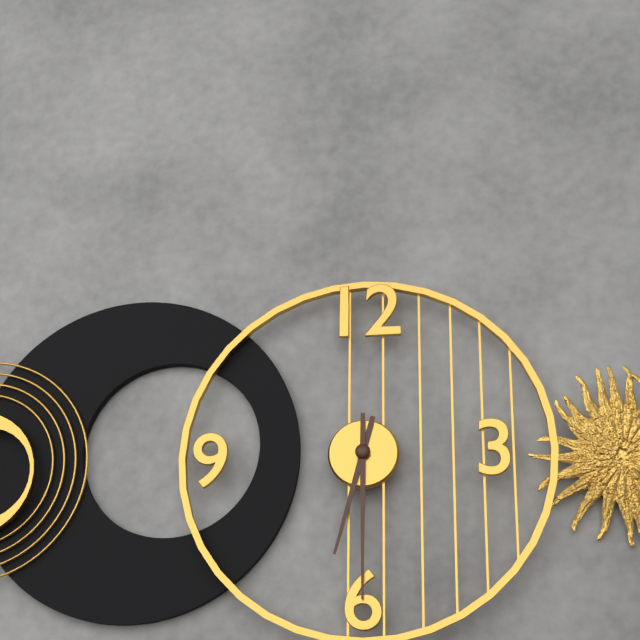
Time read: 6:30
